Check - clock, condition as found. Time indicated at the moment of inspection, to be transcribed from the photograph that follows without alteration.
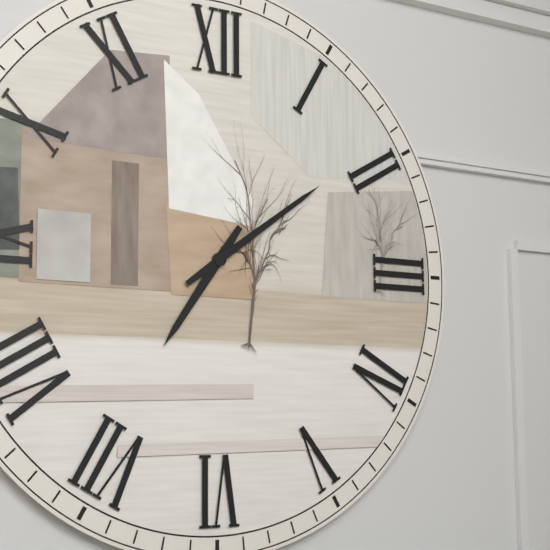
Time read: 7:09
